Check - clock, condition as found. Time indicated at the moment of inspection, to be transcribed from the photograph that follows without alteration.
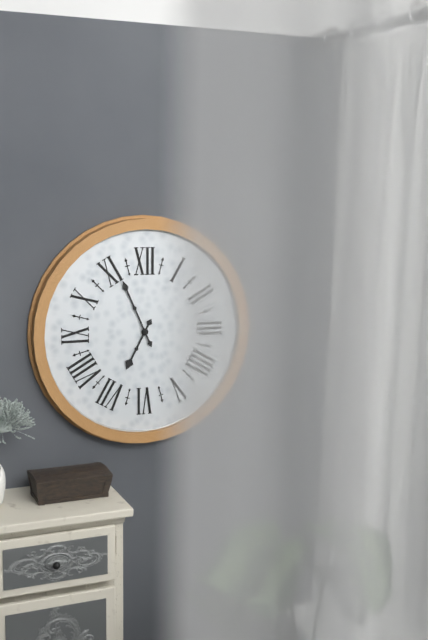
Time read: 6:56
